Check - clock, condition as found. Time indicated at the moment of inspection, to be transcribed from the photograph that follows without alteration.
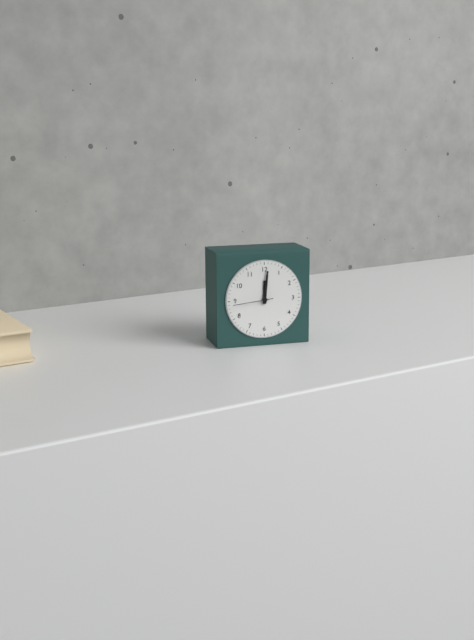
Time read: 12:01
